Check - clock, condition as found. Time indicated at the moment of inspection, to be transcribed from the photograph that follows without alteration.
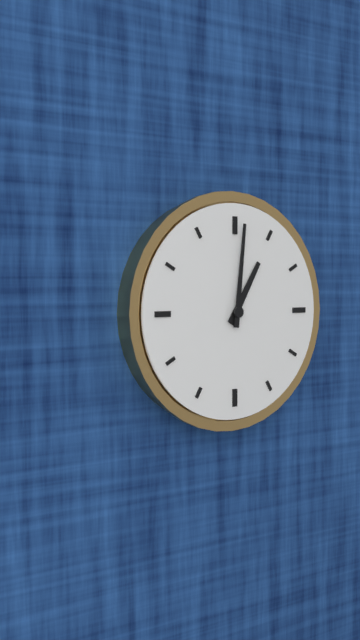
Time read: 1:01
